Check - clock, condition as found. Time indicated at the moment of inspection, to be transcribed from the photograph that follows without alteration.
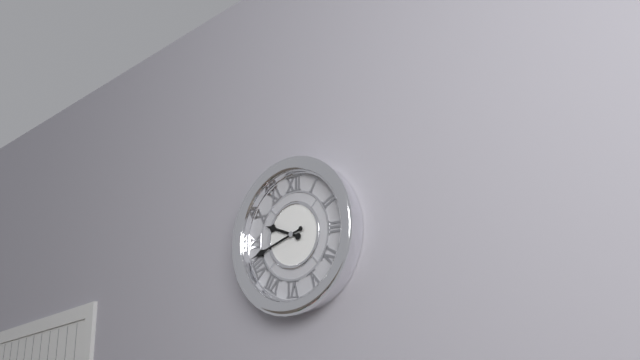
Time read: 9:42
